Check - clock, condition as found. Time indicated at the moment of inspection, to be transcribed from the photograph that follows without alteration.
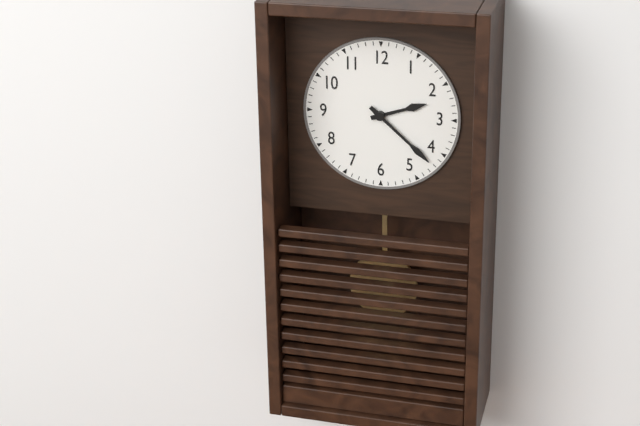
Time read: 2:22
